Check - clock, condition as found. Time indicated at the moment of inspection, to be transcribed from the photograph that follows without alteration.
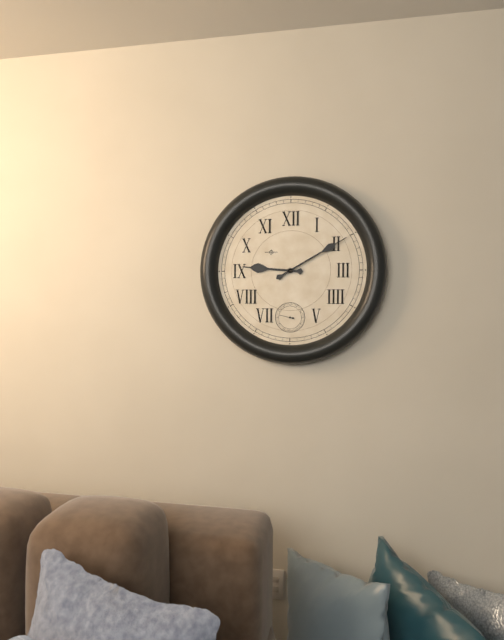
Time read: 9:10
